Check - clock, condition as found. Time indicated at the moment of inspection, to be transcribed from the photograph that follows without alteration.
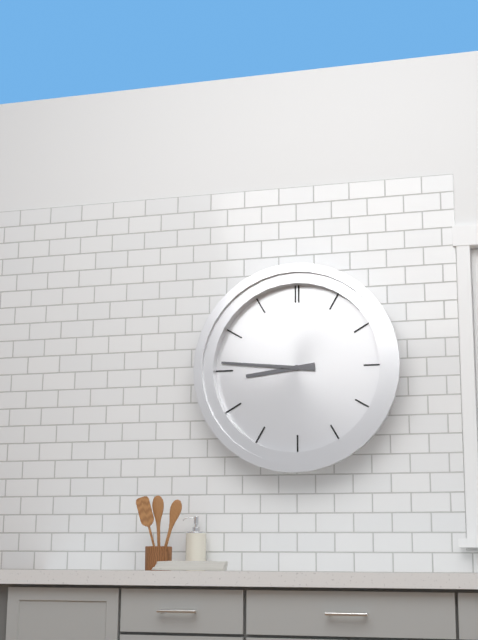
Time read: 8:46
